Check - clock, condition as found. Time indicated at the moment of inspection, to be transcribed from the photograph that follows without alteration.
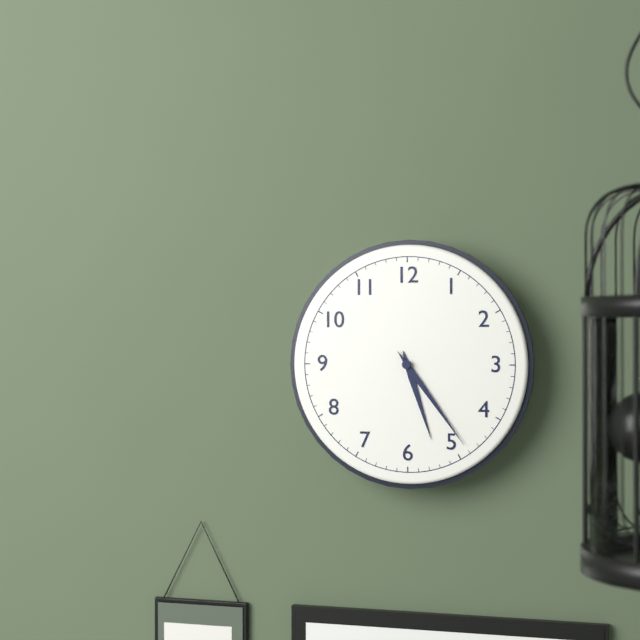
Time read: 5:24
